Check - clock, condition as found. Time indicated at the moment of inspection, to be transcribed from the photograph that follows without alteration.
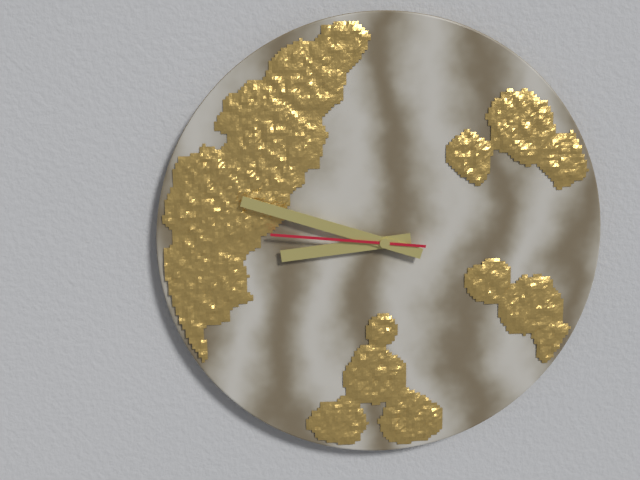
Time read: 8:48:46
